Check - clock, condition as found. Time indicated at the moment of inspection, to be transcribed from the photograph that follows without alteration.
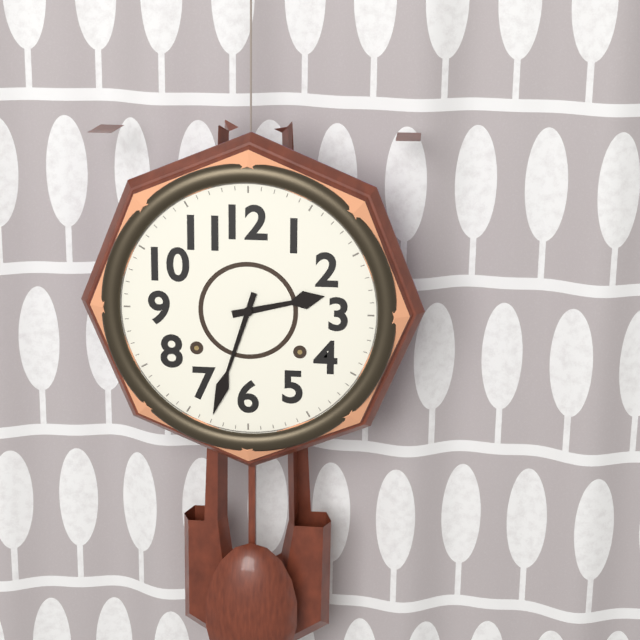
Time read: 2:33
